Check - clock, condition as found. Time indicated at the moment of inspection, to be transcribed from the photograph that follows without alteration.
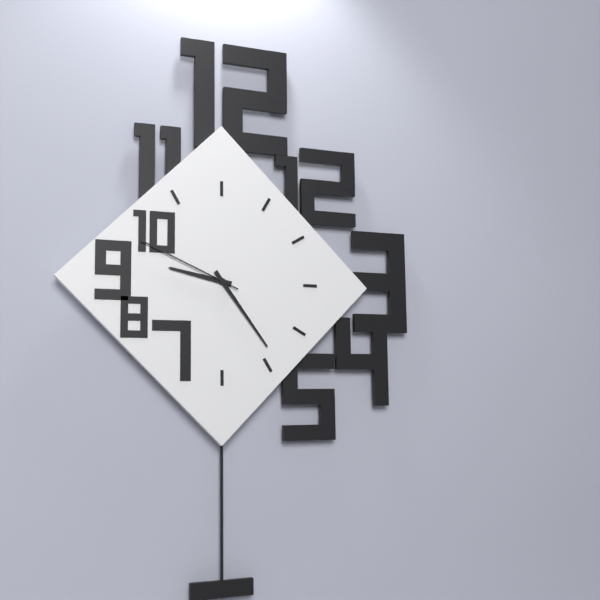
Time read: 9:24:49
